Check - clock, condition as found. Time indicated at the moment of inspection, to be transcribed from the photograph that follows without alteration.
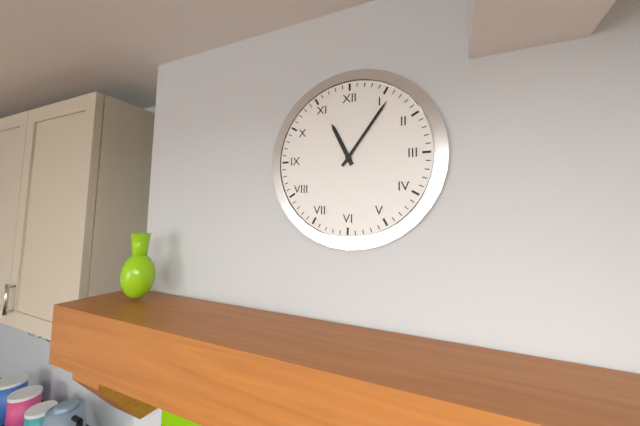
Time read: 11:06
